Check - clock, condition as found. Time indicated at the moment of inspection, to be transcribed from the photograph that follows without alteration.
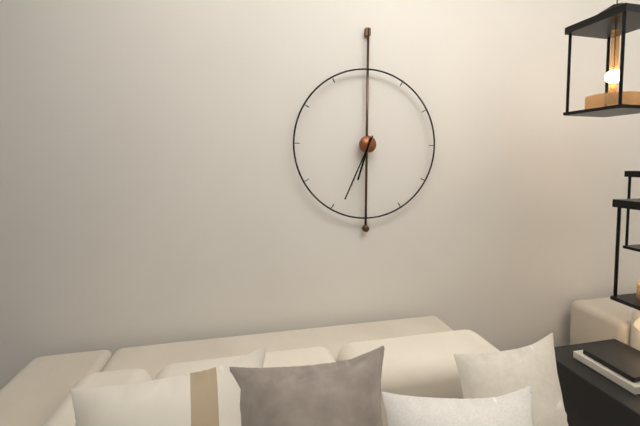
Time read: 6:34
